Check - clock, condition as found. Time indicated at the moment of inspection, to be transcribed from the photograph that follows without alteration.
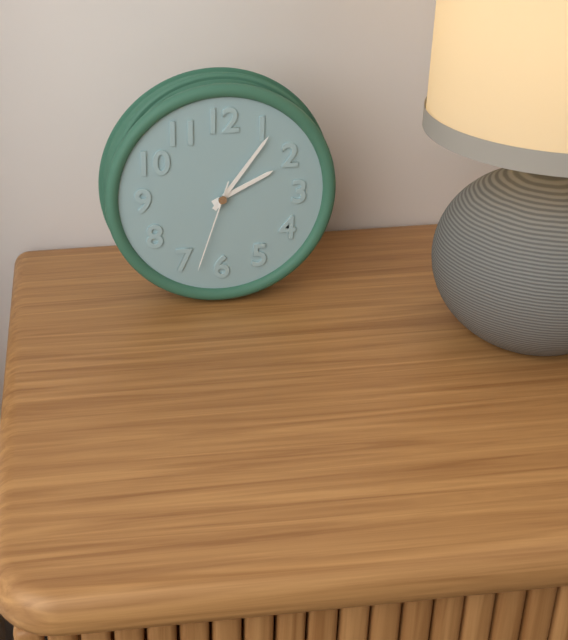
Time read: 2:06:33
